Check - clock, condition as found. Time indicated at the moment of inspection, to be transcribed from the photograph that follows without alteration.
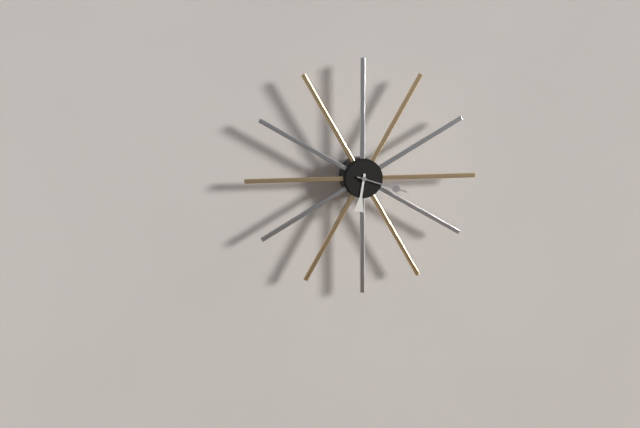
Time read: 6:18
